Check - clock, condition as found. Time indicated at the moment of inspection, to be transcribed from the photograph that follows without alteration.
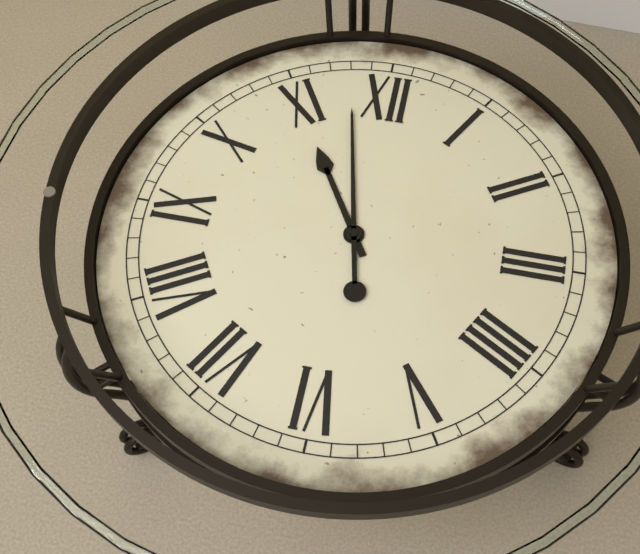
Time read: 10:58
